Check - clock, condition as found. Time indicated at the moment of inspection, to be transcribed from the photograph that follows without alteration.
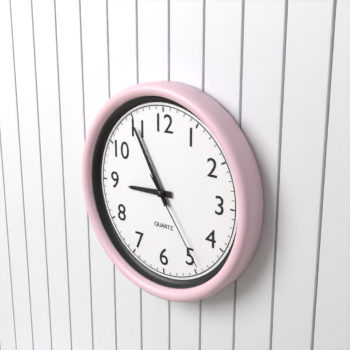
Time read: 8:55:24
